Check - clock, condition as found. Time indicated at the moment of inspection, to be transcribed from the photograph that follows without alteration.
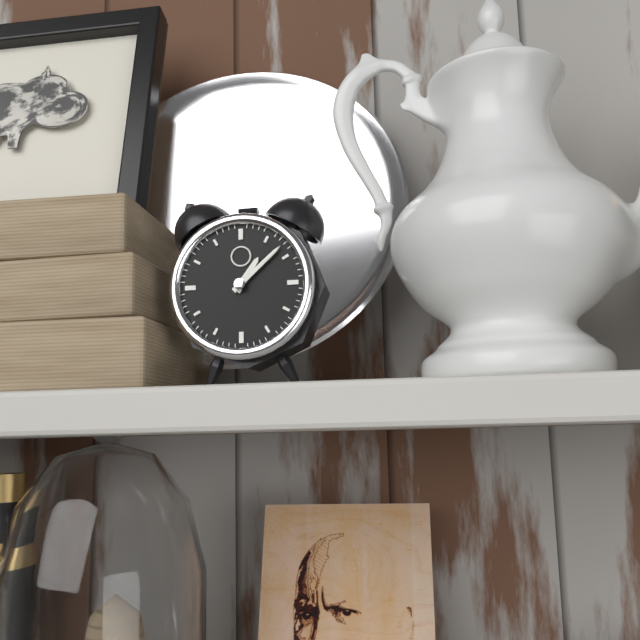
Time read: 1:08
